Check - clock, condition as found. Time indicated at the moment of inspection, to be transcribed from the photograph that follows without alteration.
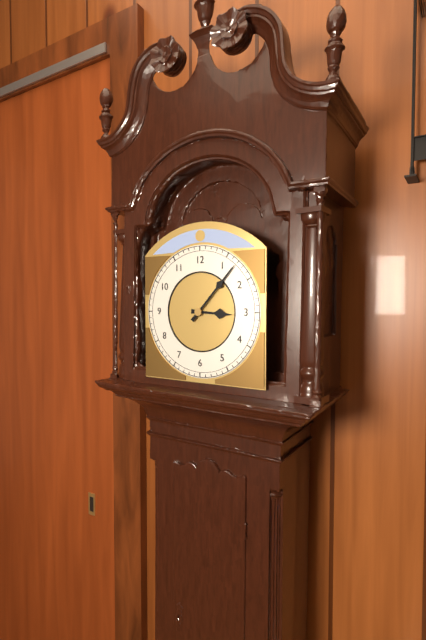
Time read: 3:07
